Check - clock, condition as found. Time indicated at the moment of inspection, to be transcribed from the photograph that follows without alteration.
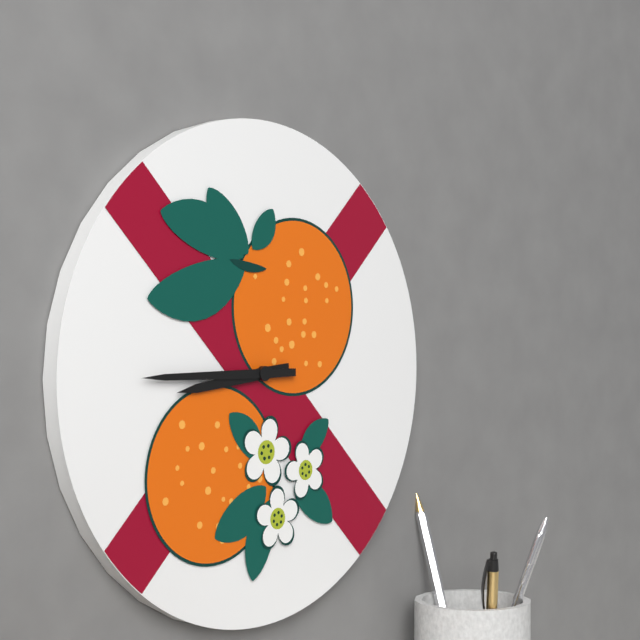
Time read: 8:45
